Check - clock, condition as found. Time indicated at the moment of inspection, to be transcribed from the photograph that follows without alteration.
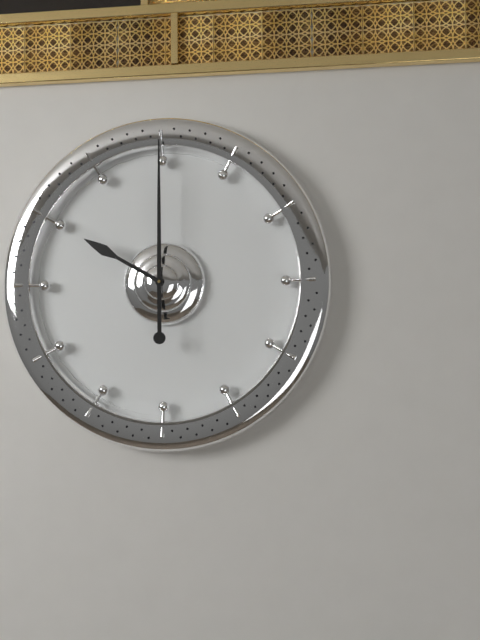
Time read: 10:00
